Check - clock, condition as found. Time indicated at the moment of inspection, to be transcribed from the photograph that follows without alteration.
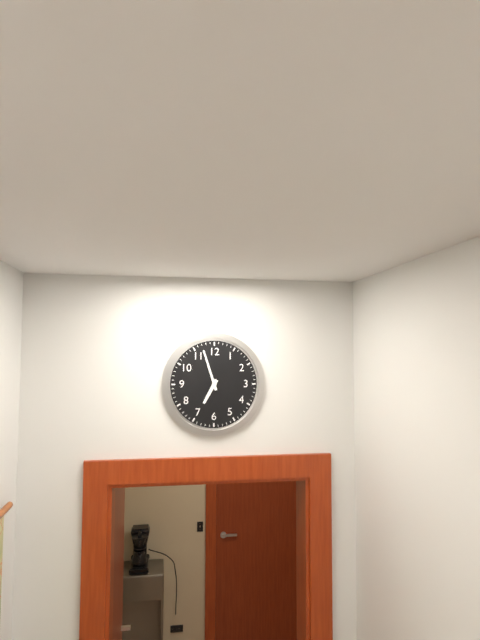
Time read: 6:57
